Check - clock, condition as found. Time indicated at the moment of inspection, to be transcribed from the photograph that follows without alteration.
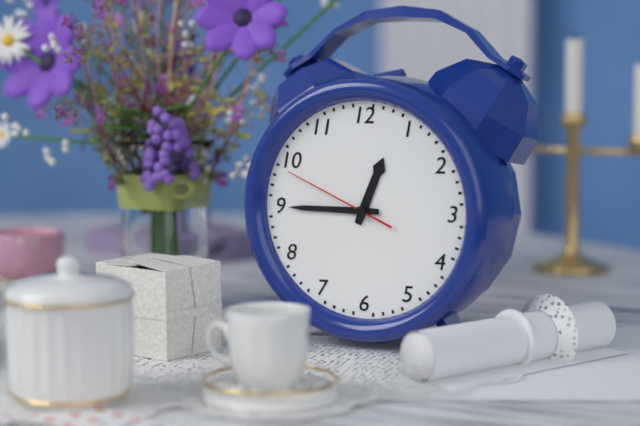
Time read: 12:45:49
